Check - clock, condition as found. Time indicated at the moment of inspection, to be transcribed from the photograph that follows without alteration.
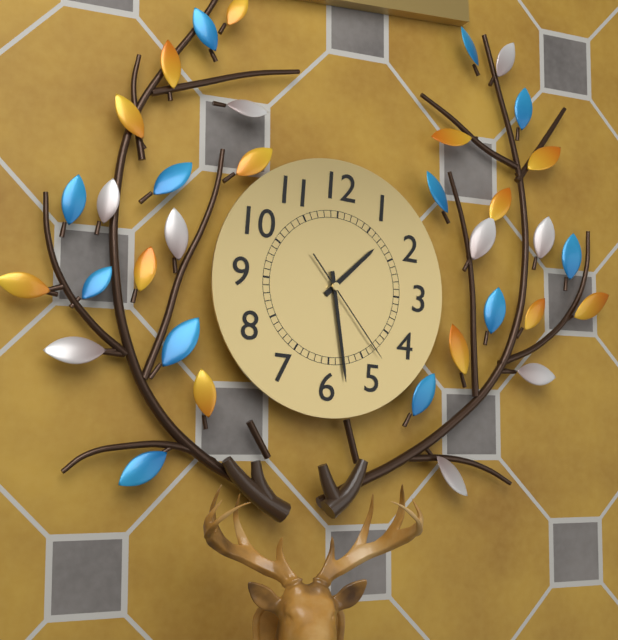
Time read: 1:28:23
